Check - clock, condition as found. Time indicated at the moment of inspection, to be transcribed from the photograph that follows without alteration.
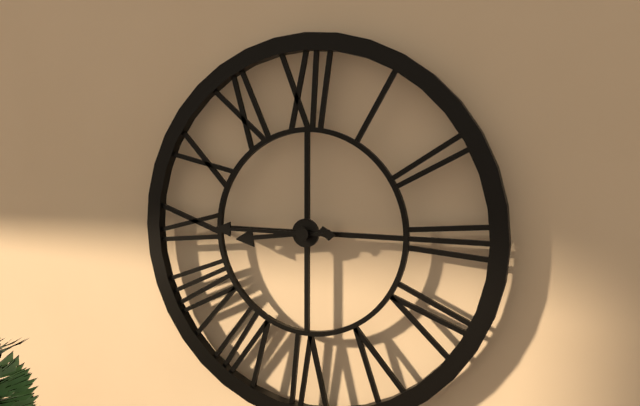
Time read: 8:45
